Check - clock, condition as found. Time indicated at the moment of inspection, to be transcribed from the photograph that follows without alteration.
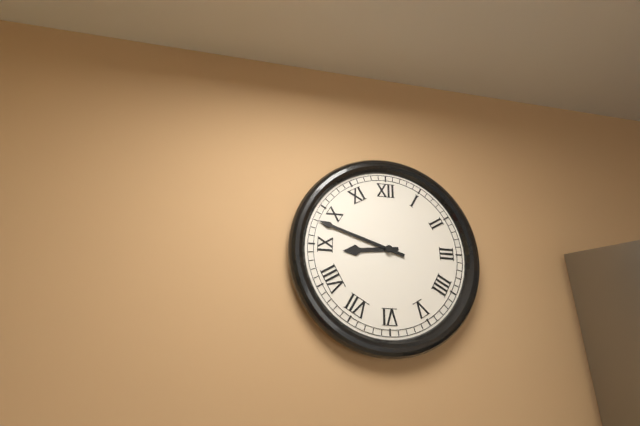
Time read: 8:48
